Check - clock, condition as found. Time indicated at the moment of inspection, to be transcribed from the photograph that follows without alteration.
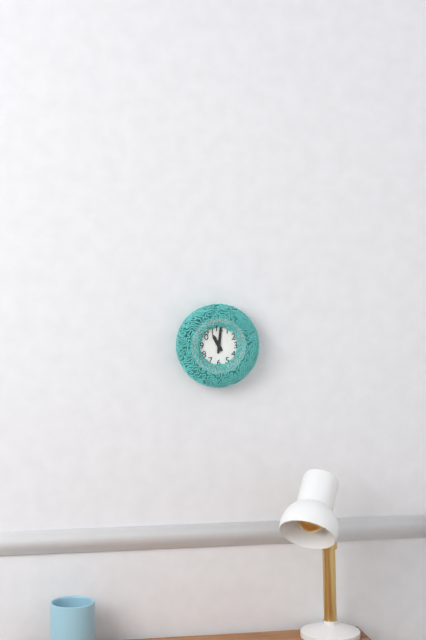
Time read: 11:01
